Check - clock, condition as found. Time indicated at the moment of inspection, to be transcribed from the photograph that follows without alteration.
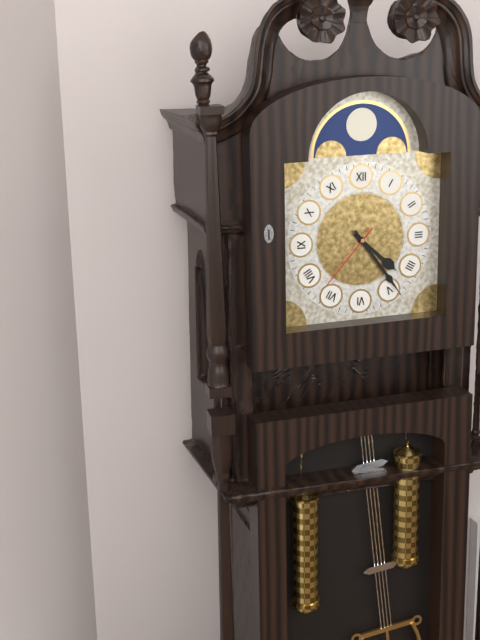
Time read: 4:24:37
